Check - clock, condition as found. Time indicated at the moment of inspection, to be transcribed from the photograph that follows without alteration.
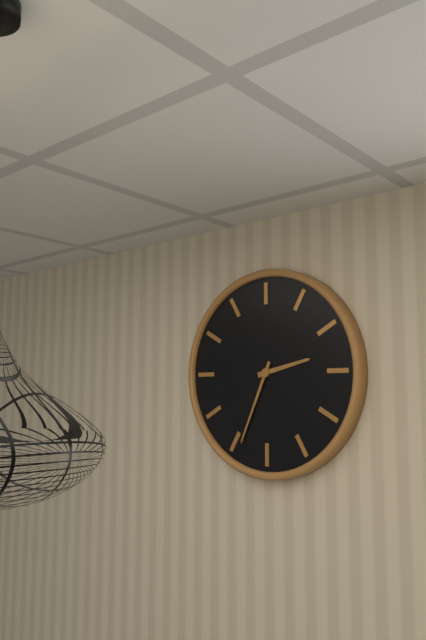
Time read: 2:34
